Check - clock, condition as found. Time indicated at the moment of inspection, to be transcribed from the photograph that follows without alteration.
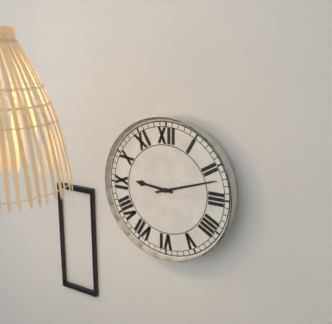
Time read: 9:12
